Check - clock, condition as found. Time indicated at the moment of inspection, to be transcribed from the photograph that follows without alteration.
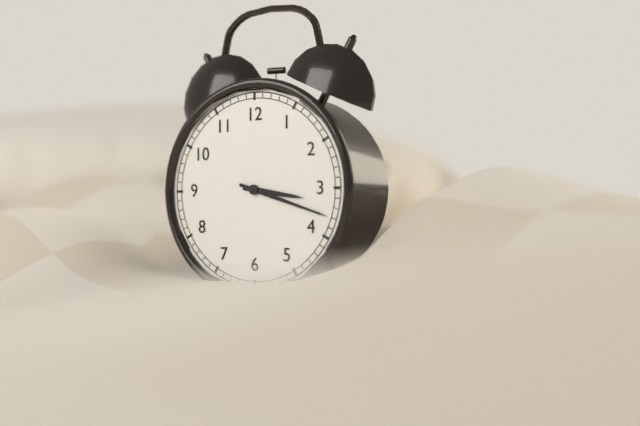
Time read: 3:18
